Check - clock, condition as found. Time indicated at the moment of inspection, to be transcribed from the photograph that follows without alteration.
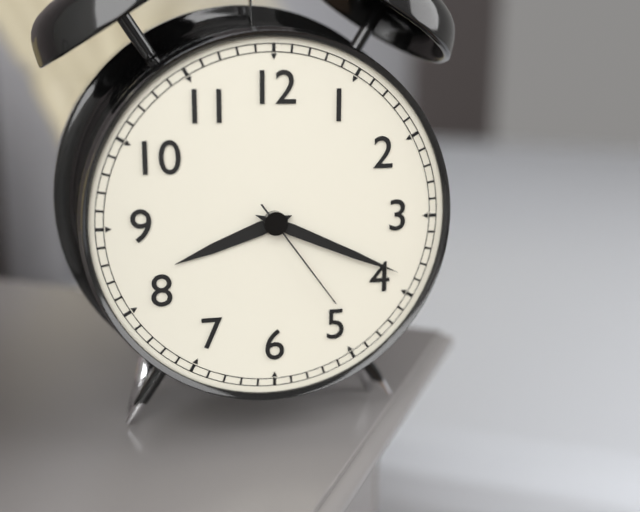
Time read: 8:19:24
